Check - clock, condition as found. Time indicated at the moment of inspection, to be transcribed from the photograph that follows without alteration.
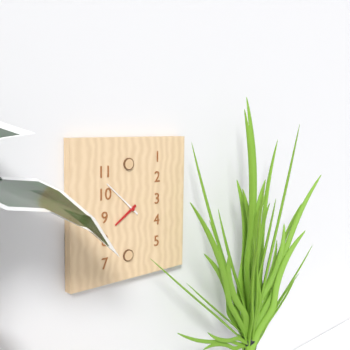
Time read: 7:52
